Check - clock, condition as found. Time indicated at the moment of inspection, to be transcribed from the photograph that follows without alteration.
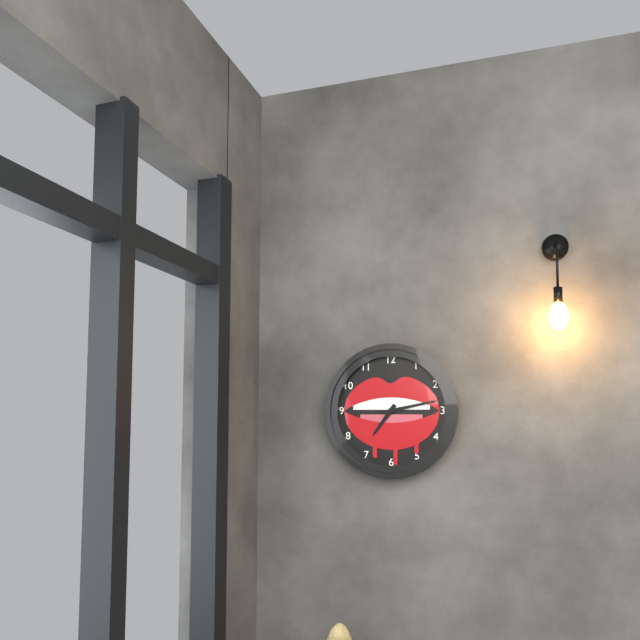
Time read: 7:13
